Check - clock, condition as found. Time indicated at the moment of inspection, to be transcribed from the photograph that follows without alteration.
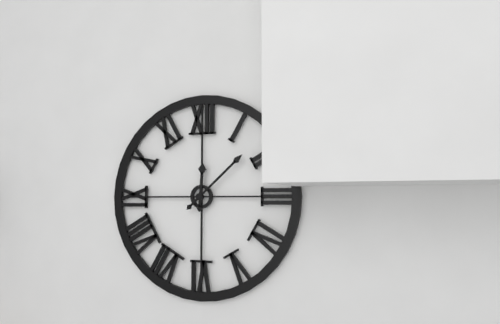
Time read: 12:08
